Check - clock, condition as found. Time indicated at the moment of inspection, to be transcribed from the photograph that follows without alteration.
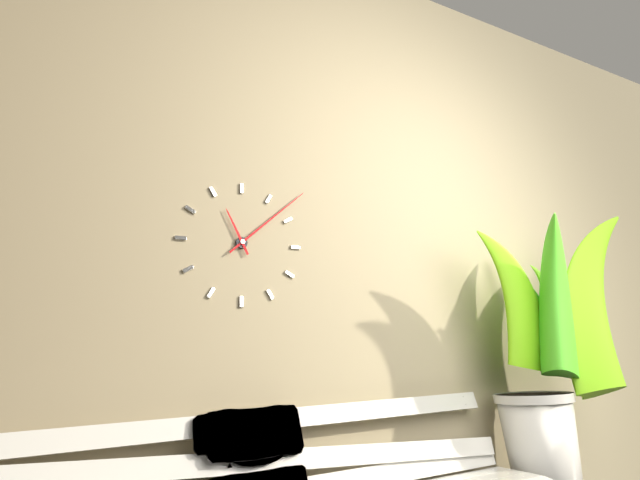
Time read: 11:08
